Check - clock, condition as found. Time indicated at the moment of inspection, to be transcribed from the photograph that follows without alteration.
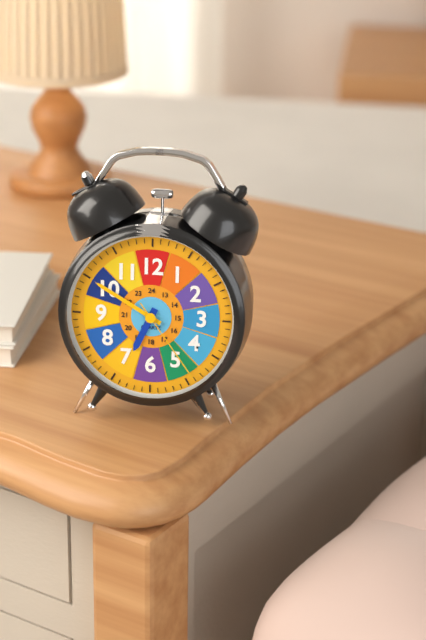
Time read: 6:50:24
